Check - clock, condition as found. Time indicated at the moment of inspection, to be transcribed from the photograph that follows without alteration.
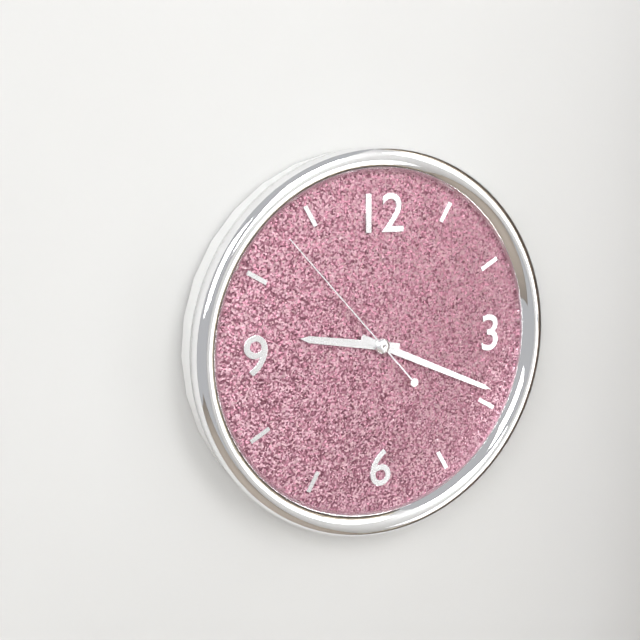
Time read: 9:19:53
